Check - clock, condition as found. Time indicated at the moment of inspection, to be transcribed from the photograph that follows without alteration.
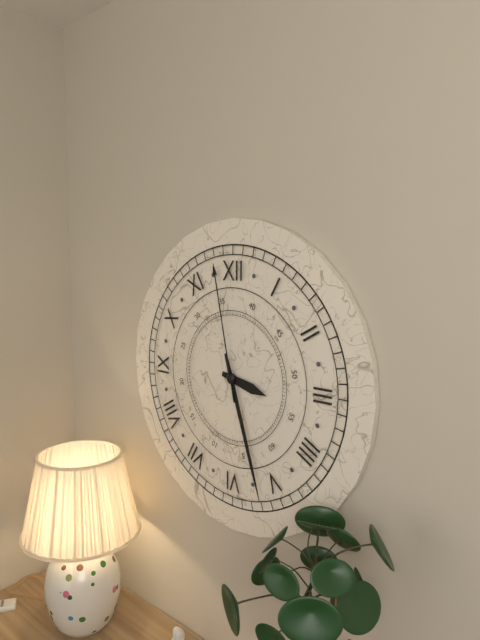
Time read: 3:27:58
